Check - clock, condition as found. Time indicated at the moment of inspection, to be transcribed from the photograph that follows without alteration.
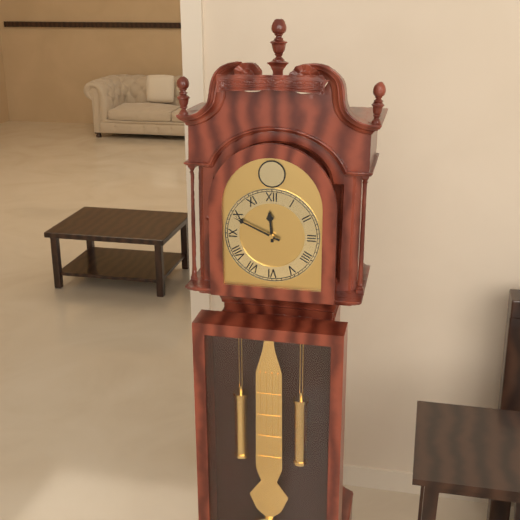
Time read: 11:49
